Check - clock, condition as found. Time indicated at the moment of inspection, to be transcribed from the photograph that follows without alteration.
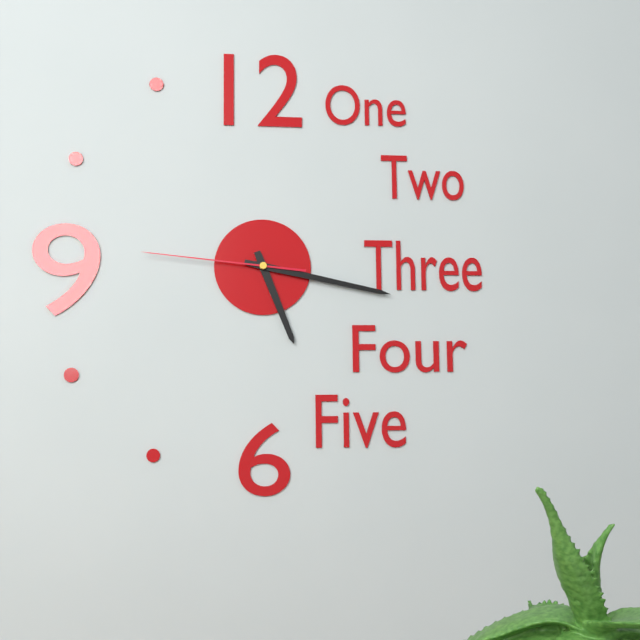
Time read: 5:17:46
